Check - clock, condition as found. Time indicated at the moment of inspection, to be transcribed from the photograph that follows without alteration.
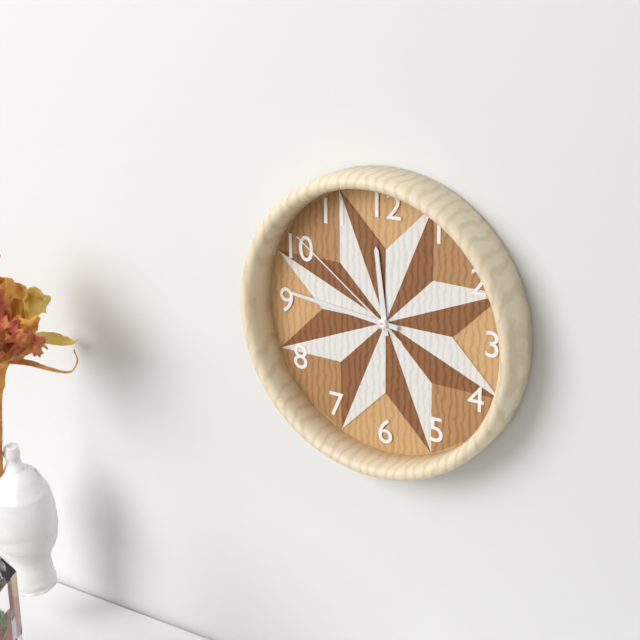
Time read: 11:46:51
